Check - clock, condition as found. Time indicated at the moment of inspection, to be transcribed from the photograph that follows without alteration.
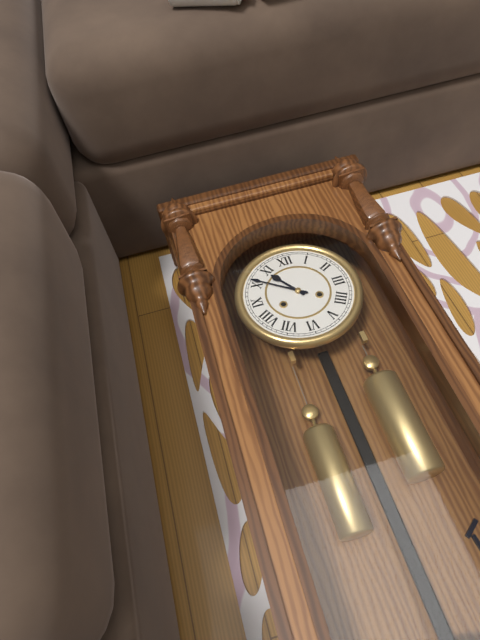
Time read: 10:51
